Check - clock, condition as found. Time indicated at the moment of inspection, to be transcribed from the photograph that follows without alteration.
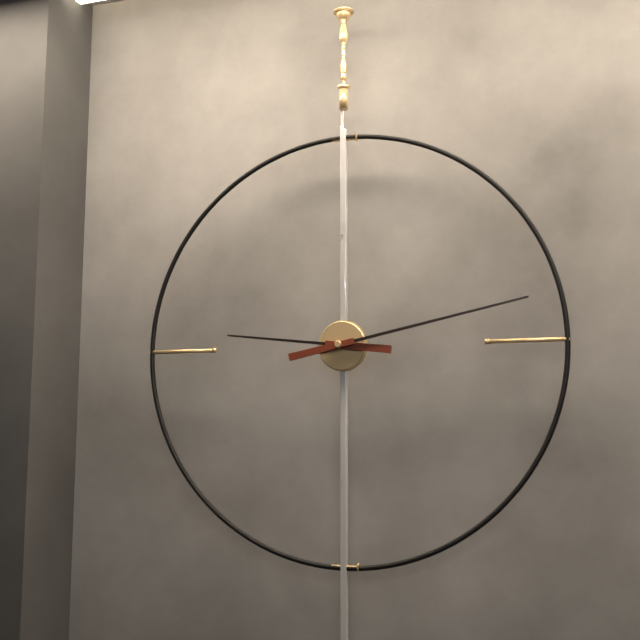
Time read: 9:13
